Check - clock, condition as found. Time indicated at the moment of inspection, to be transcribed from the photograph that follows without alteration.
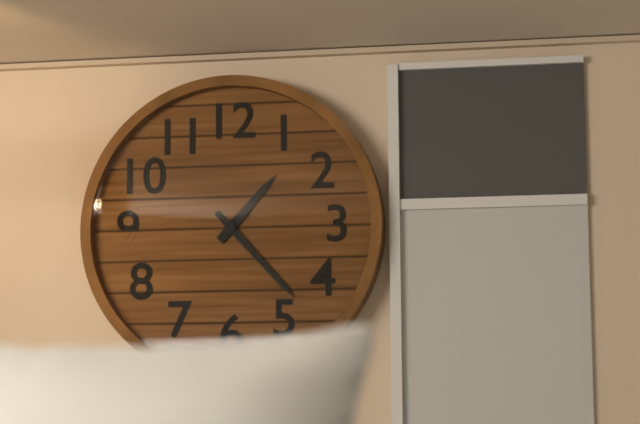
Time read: 1:23
